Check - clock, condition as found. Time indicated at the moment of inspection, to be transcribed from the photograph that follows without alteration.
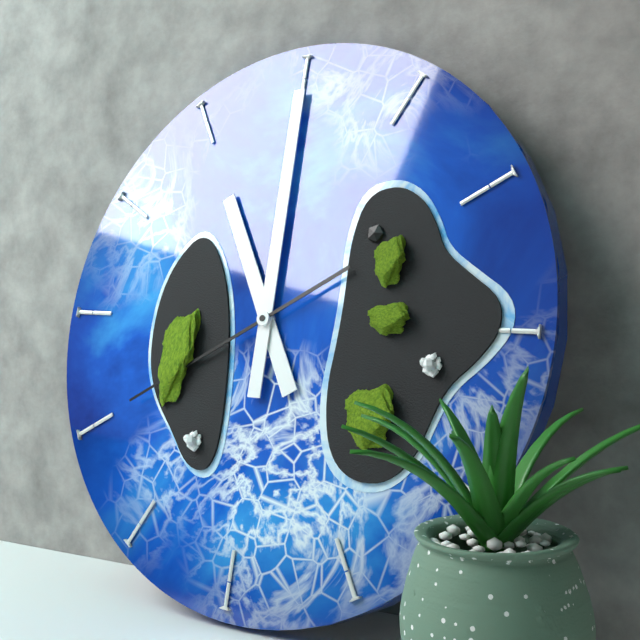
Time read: 11:00:40
